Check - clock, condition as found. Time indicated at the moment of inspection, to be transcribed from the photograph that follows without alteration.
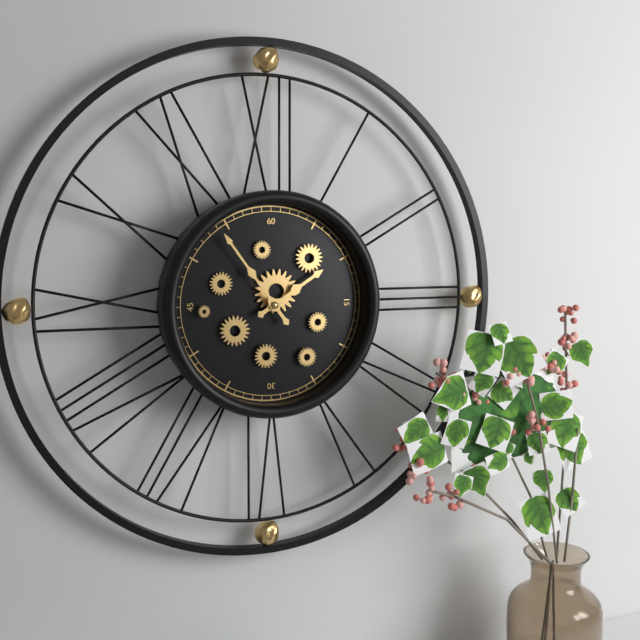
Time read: 1:54
